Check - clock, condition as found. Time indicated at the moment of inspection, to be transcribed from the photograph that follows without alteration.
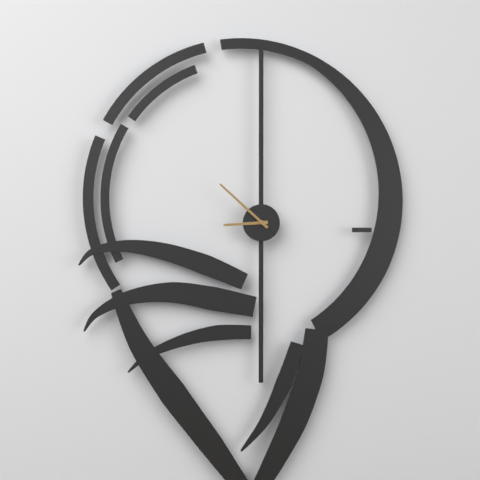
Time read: 8:52
